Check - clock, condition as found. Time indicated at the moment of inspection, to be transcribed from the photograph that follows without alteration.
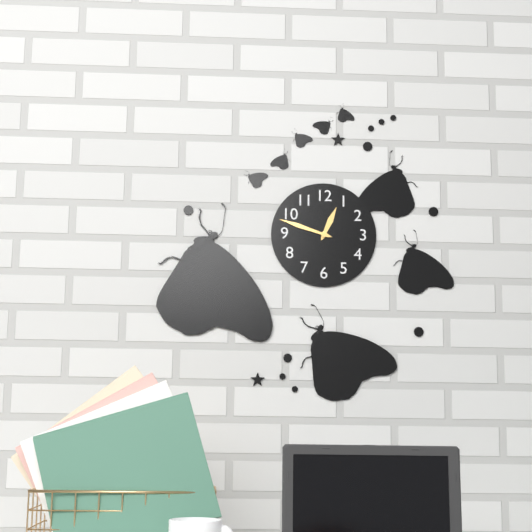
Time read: 12:48
